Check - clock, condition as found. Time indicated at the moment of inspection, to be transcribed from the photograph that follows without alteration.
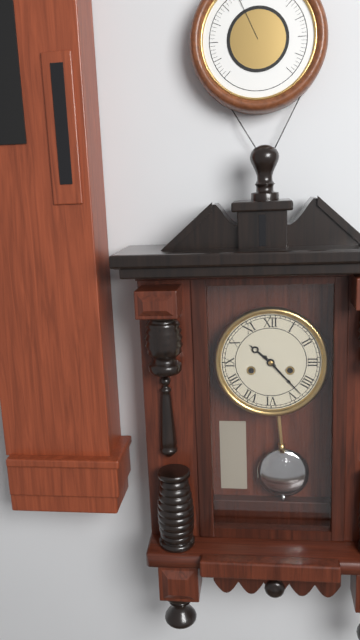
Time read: 10:23
